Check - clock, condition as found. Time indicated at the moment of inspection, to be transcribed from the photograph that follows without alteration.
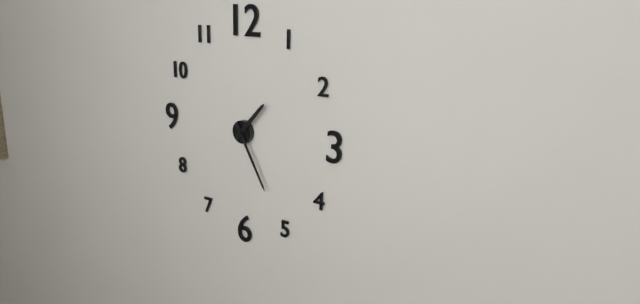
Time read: 1:25
